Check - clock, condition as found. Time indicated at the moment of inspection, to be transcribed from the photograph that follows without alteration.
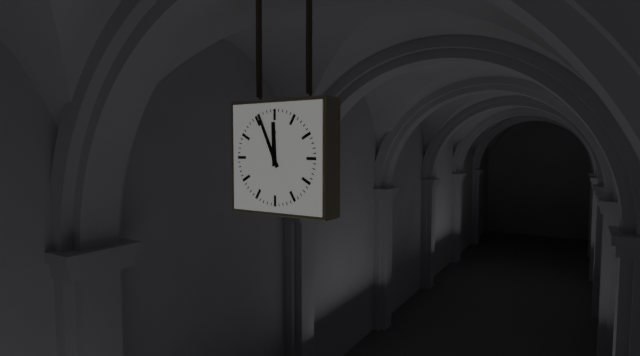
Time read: 11:56
